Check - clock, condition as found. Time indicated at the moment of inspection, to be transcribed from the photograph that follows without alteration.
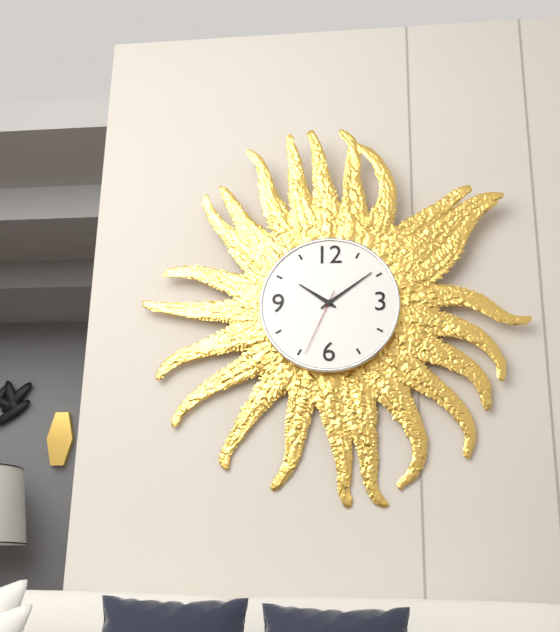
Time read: 10:09:34
